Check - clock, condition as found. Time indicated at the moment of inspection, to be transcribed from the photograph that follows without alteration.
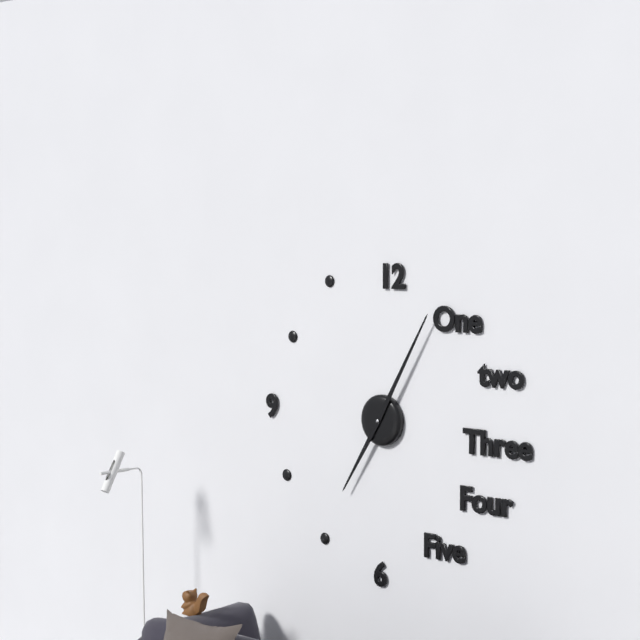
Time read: 7:05
